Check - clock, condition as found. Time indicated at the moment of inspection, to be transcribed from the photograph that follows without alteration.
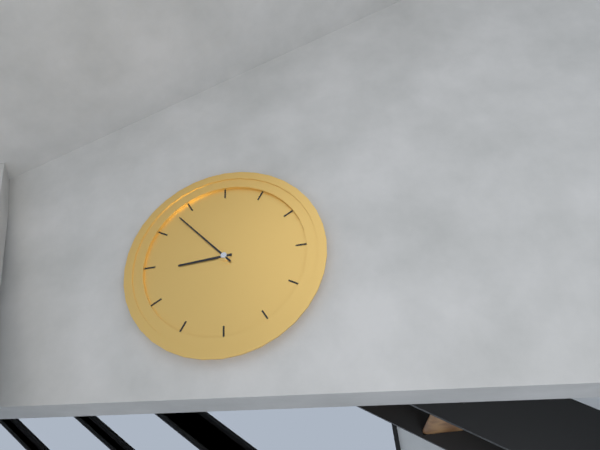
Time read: 8:53
